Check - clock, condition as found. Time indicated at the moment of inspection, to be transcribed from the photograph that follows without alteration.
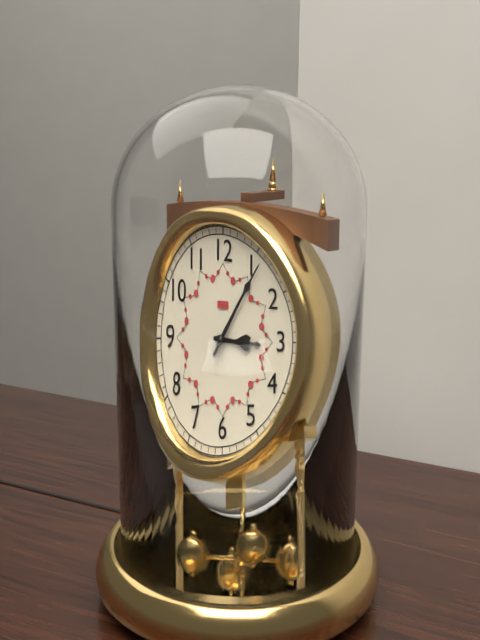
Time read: 3:06
